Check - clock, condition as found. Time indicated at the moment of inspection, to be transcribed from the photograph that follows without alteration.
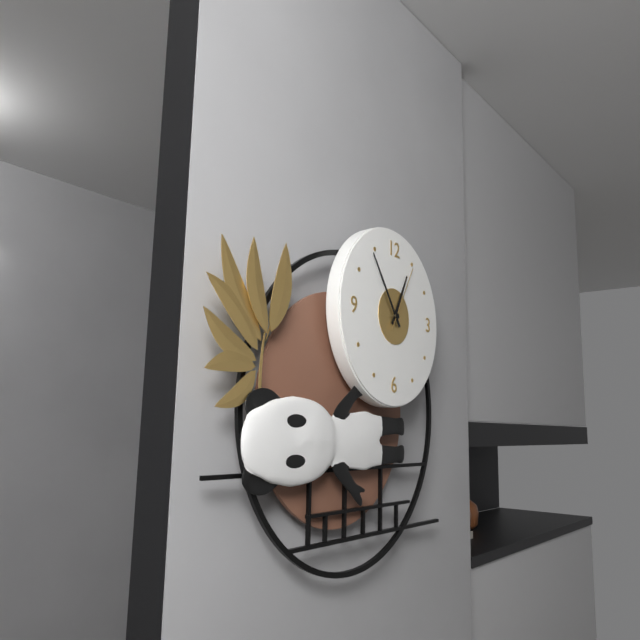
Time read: 12:54:05
